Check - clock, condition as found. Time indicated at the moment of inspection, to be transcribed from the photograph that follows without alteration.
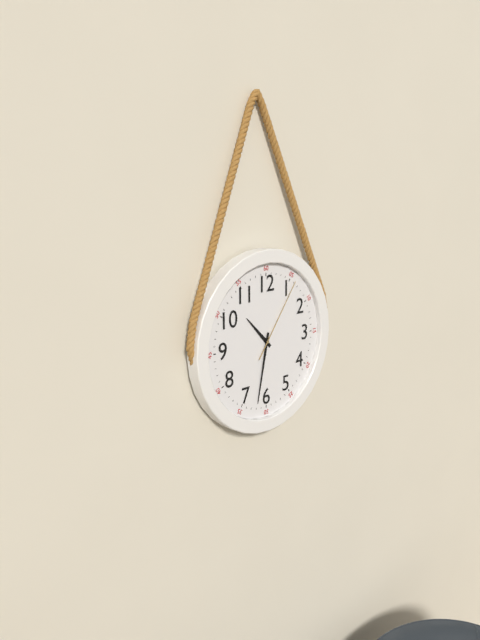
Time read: 10:32:06
